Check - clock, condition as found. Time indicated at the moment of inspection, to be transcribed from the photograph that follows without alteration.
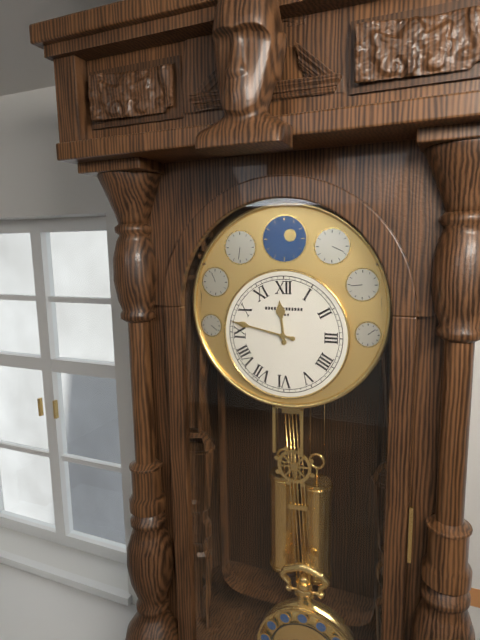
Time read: 11:47
